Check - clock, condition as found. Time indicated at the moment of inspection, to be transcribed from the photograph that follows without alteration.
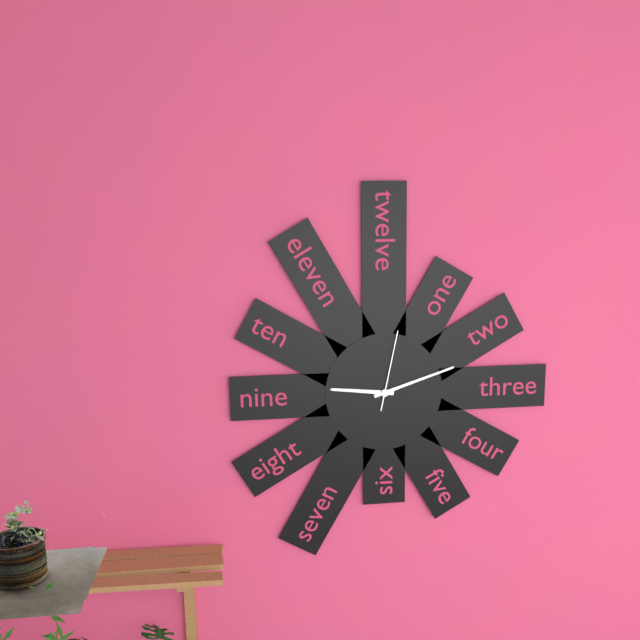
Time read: 9:12:02
